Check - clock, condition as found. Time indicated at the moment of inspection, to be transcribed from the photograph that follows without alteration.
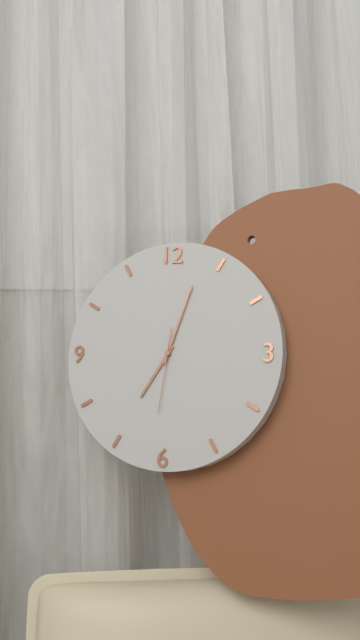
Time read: 7:03:31
